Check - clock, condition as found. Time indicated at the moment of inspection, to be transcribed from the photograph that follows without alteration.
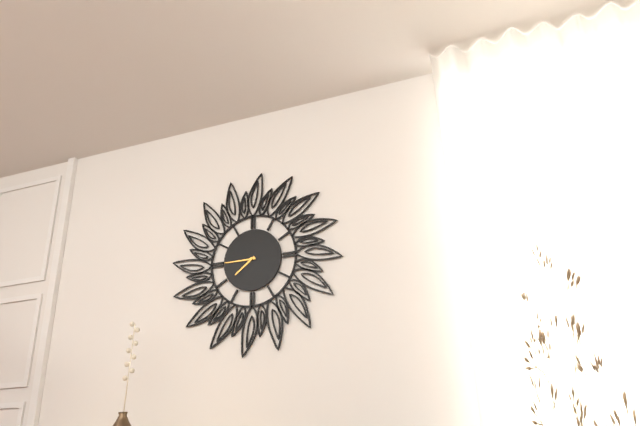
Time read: 7:45
